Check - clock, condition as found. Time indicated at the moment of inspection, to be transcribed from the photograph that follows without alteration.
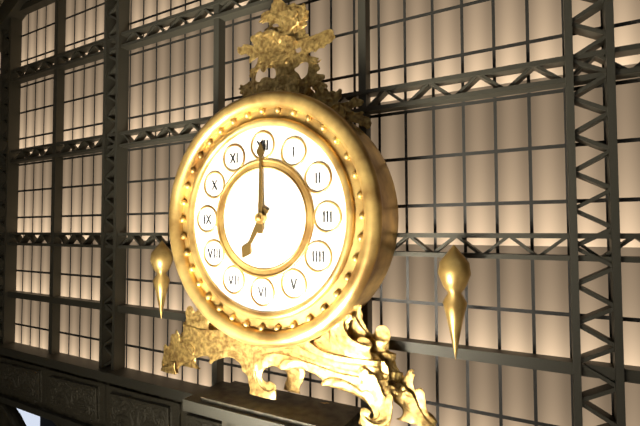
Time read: 7:00
